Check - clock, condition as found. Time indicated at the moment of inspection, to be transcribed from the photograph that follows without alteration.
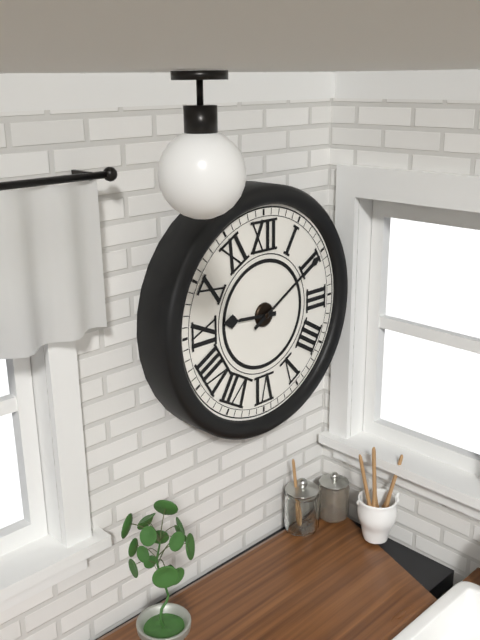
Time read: 9:10
